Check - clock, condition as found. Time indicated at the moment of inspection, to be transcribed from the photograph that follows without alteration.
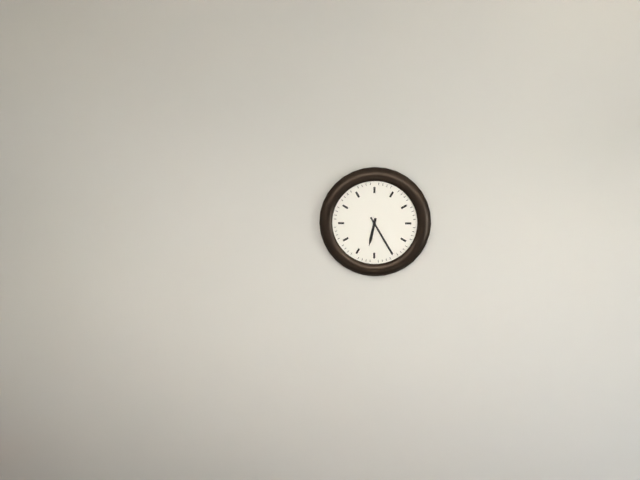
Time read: 6:25
